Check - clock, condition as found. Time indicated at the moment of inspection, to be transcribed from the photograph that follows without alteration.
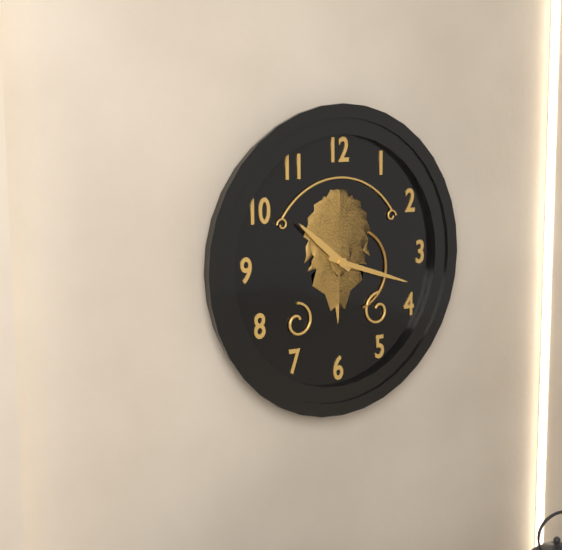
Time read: 10:18
